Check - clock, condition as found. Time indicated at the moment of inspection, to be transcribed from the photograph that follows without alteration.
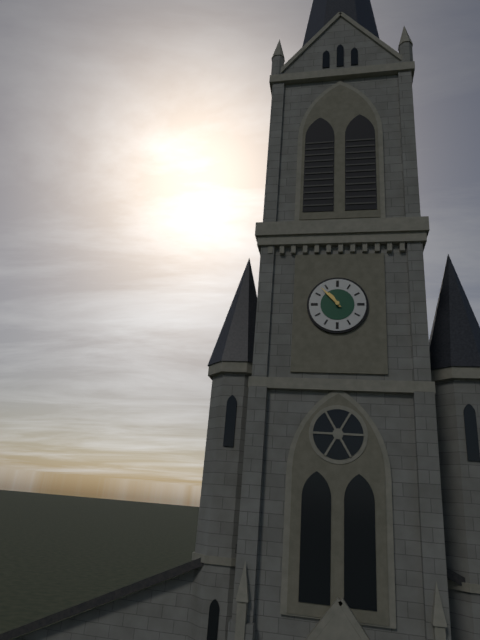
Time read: 10:53
